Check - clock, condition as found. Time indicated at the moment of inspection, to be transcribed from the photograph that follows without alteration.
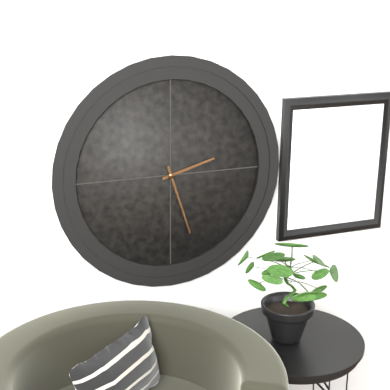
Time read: 2:27
